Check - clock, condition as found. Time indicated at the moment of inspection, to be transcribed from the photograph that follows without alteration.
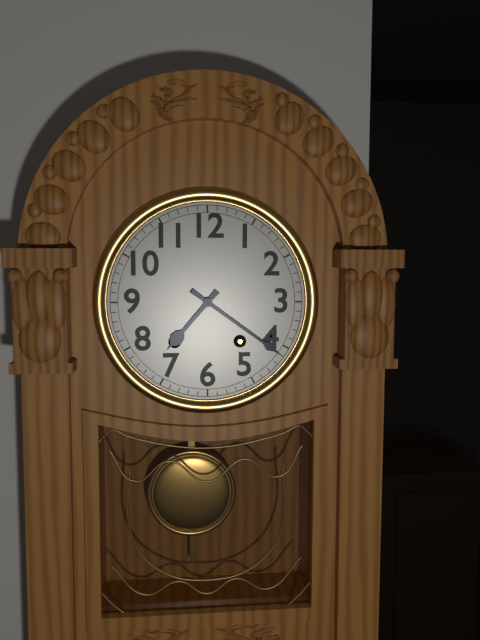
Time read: 7:21
